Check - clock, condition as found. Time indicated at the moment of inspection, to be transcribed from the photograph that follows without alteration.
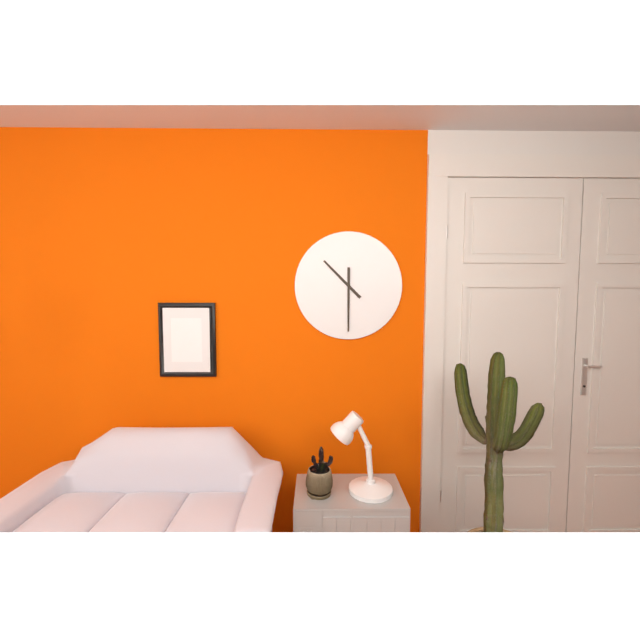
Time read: 10:30
